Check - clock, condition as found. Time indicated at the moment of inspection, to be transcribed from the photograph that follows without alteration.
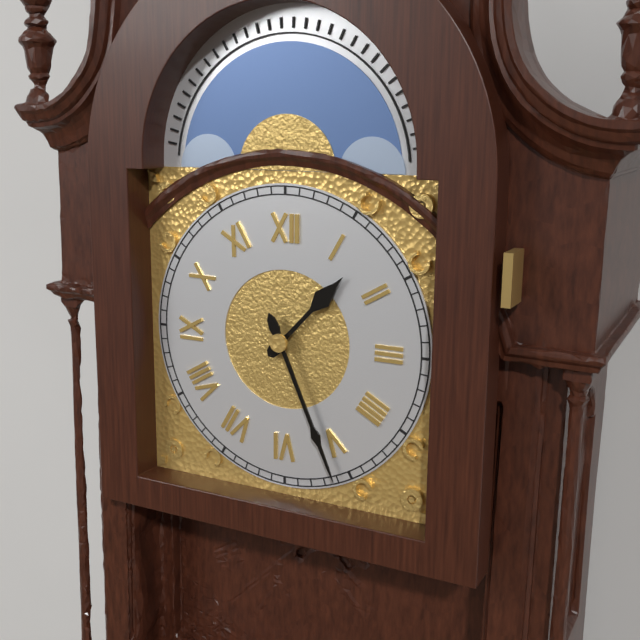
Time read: 1:26
